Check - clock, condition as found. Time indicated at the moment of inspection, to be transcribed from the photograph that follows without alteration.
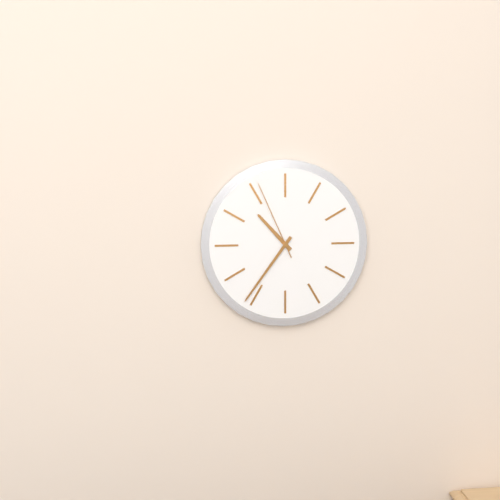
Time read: 10:36:56
